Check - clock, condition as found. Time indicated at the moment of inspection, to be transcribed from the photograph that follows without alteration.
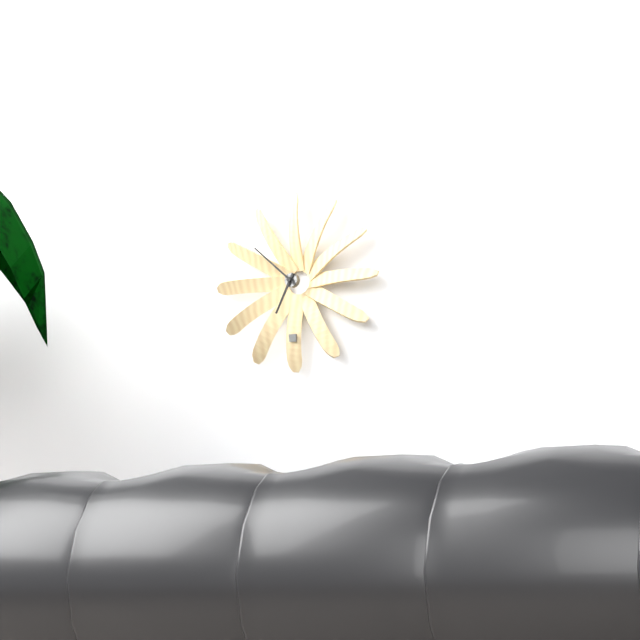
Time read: 6:52
